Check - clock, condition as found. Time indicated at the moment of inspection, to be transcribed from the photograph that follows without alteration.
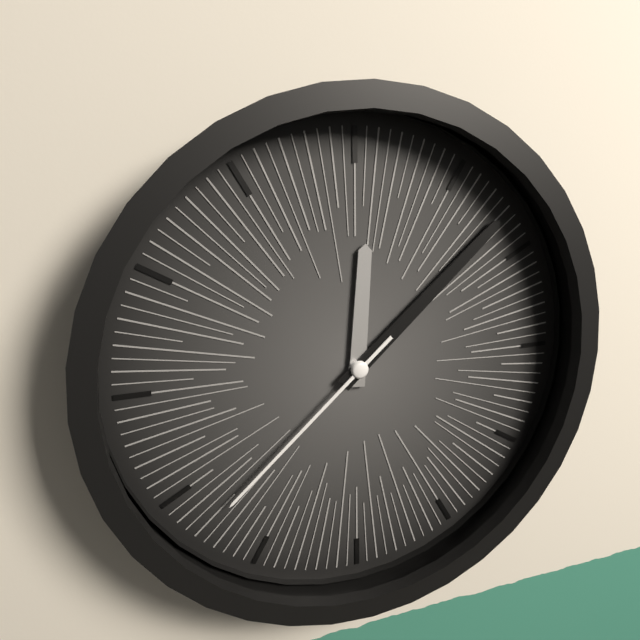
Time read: 12:08:38
